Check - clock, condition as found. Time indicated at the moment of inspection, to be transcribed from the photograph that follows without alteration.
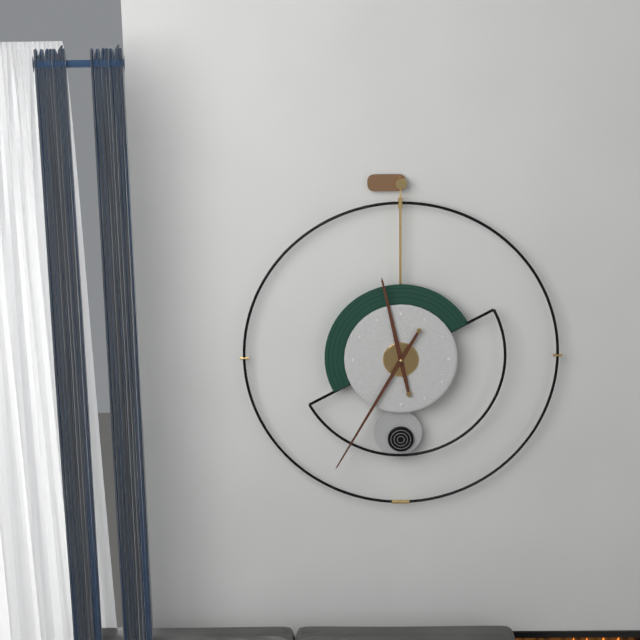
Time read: 11:35
